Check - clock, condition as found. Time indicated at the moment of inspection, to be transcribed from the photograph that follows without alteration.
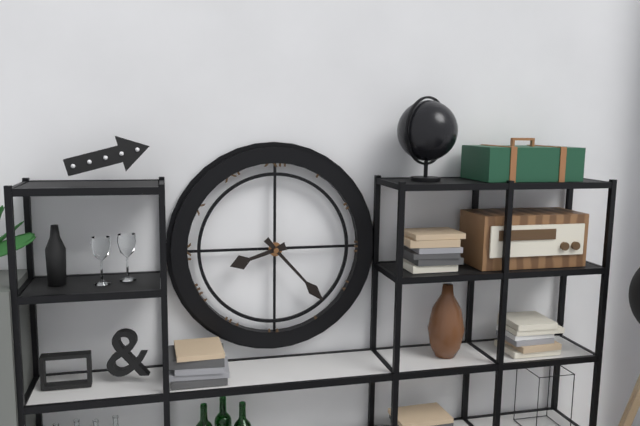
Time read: 8:23
